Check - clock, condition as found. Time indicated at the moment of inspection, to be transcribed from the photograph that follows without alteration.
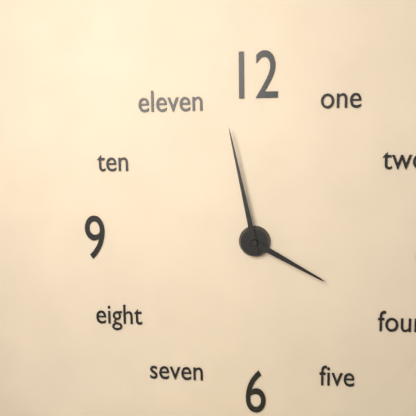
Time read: 3:58
